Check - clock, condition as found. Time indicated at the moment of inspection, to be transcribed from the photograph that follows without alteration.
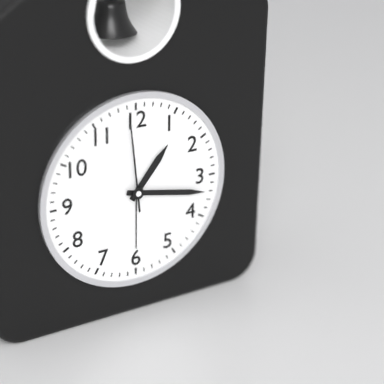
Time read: 1:17:59
